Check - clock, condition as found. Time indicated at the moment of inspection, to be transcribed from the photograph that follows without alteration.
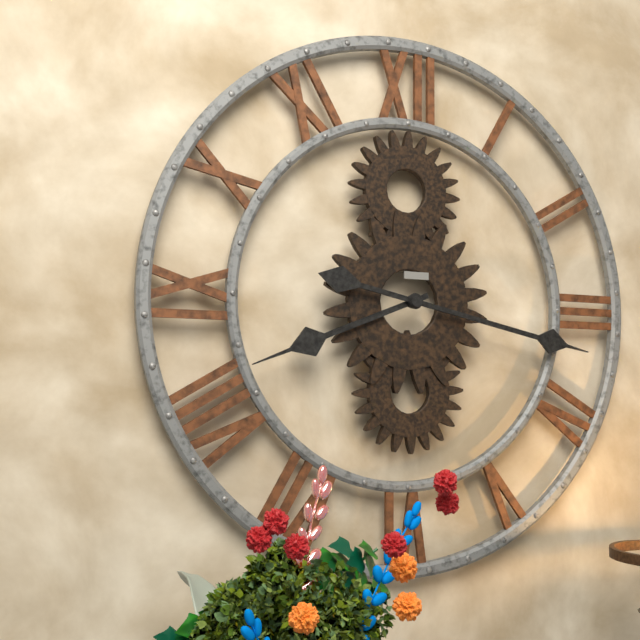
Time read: 8:17
